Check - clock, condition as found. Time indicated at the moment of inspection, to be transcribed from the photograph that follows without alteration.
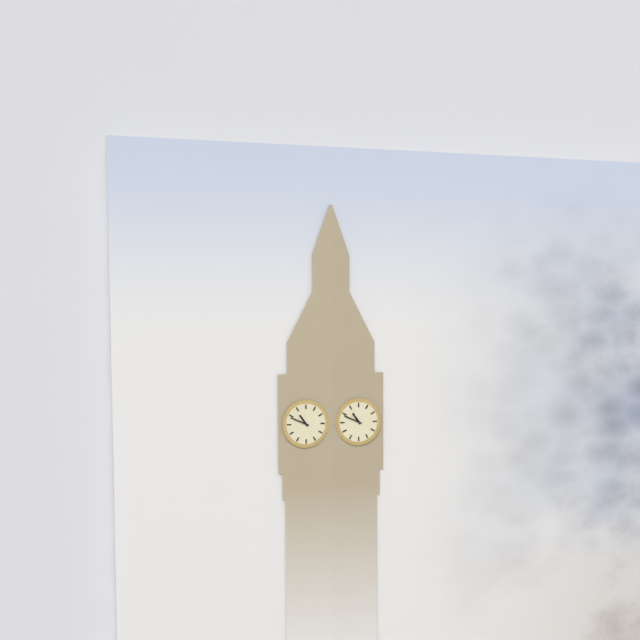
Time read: 10:49
